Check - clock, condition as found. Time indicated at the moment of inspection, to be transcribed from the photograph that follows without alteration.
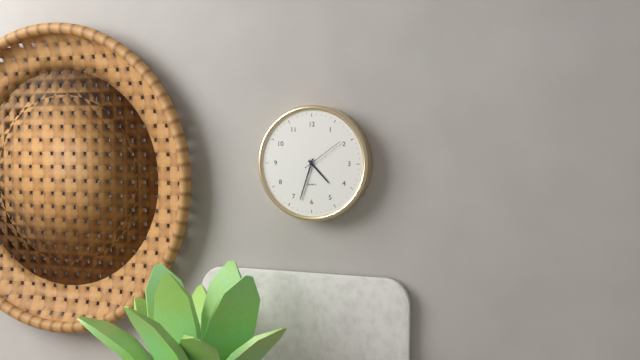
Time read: 4:33
